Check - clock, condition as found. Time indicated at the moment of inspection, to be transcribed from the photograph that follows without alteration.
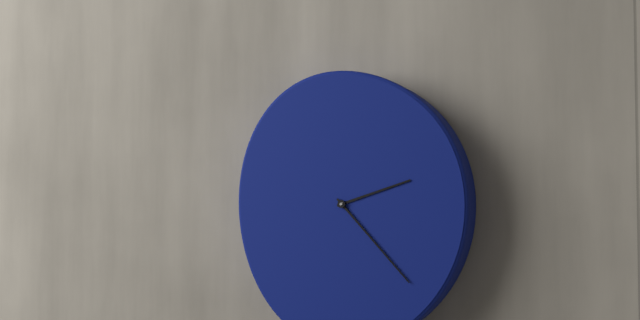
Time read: 2:23
